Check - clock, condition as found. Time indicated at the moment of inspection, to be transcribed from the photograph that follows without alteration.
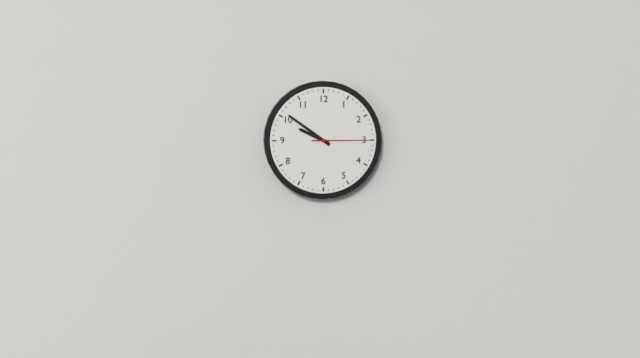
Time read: 9:51:15
